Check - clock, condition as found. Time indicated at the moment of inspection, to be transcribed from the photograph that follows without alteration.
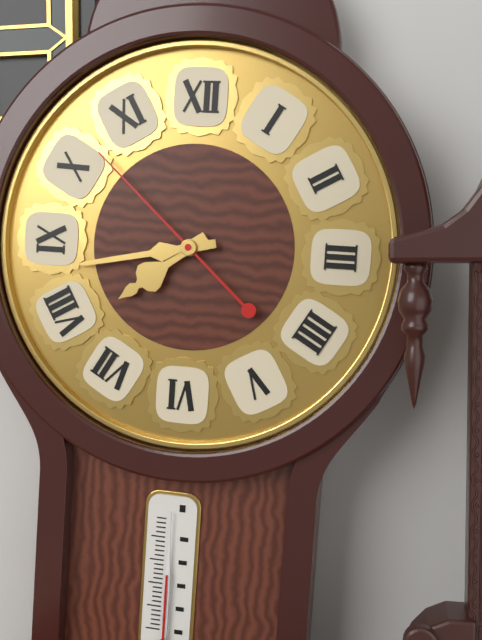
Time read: 7:43:52
